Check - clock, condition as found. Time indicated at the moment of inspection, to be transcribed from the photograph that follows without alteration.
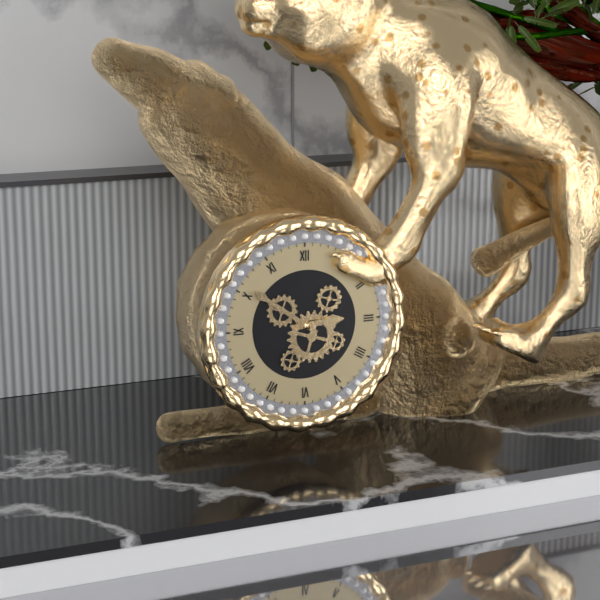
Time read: 2:51
